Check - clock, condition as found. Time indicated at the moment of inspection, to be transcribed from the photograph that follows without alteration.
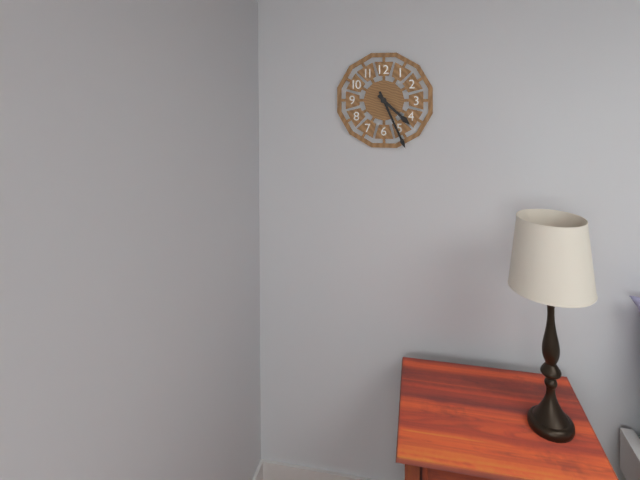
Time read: 4:26
